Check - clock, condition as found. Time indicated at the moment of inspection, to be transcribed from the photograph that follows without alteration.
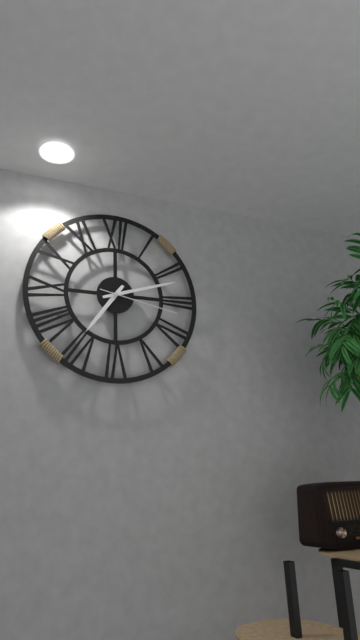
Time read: 7:12:17
